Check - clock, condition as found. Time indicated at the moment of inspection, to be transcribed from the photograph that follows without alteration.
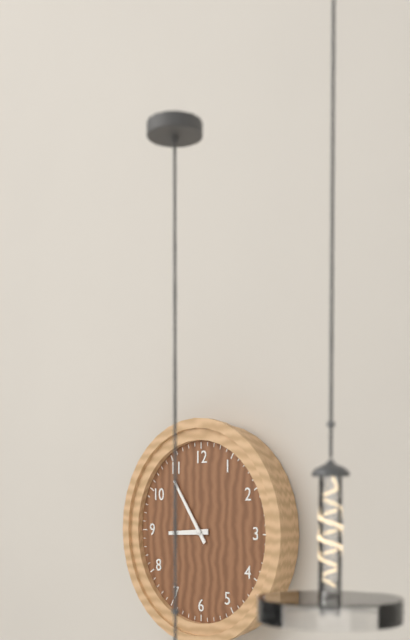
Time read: 8:54
